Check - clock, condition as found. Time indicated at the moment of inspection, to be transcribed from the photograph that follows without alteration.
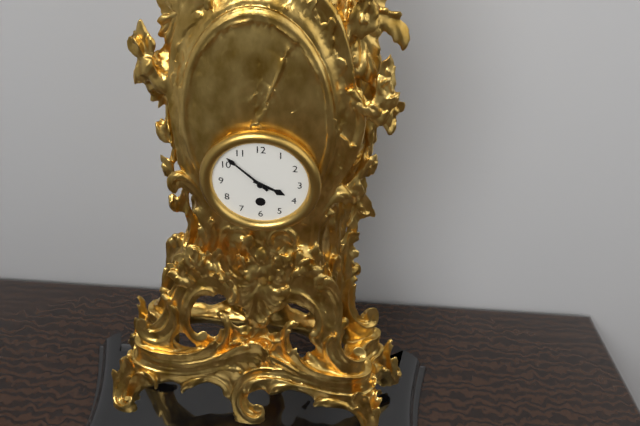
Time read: 3:52
